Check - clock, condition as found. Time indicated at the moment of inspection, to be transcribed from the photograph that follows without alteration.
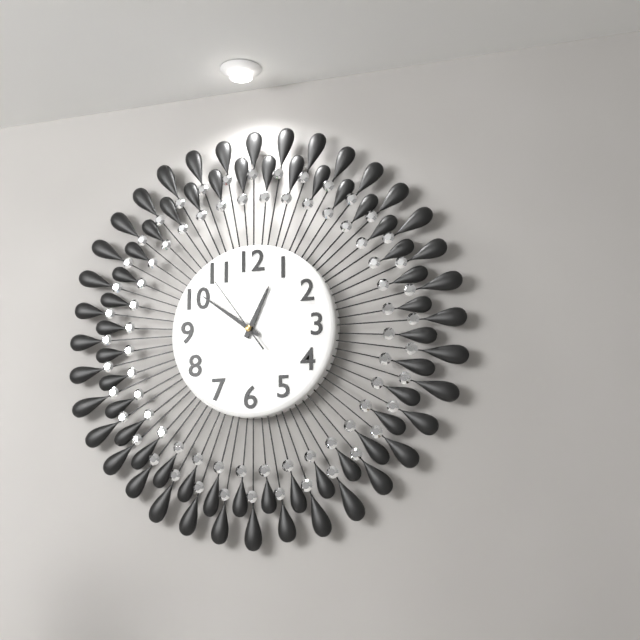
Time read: 12:51:54
